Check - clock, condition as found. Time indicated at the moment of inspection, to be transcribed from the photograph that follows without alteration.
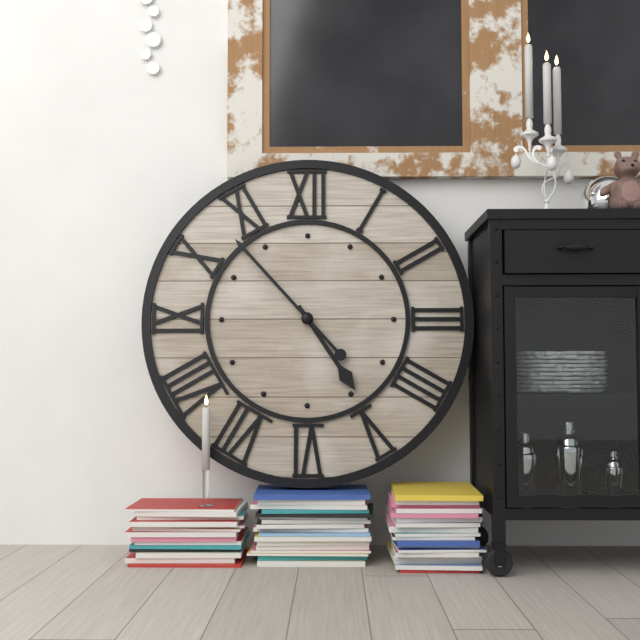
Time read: 4:53
